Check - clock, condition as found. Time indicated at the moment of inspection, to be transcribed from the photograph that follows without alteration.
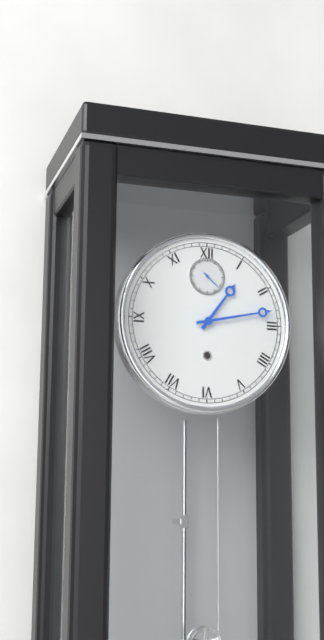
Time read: 1:13
